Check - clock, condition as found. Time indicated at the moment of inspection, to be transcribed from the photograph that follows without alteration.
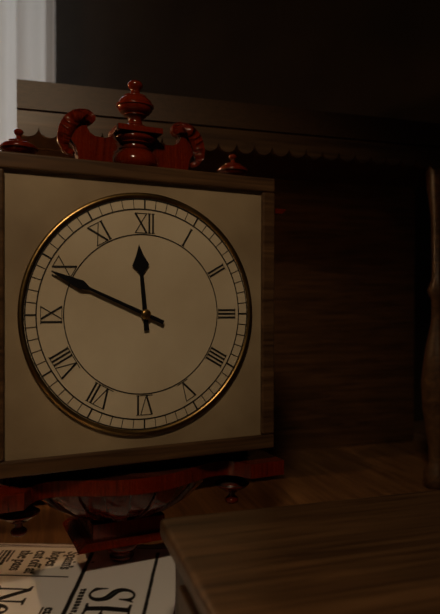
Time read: 11:49
